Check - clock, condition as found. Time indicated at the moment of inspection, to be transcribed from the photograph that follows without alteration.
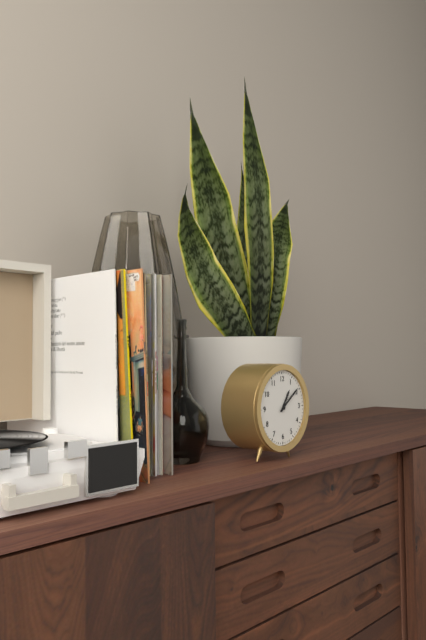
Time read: 1:09
